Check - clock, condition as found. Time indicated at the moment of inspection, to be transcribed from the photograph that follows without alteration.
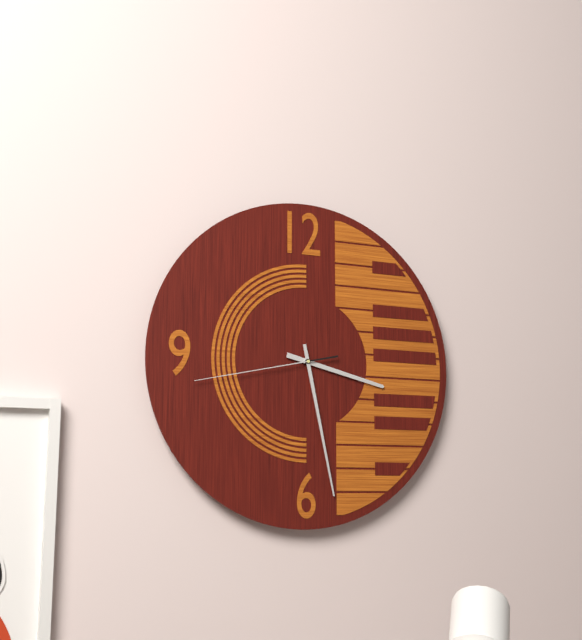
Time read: 3:28:43
